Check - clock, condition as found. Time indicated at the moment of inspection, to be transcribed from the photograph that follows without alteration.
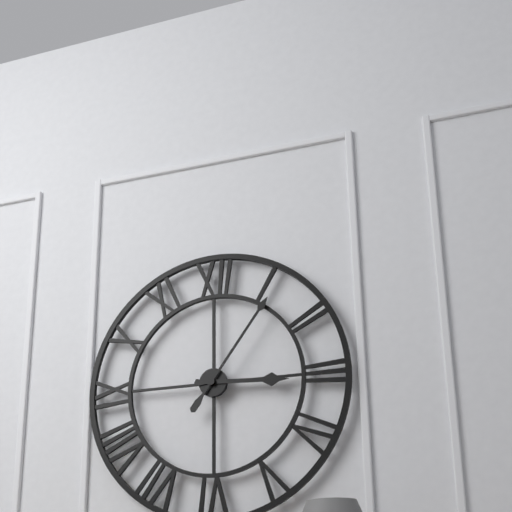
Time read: 3:06
